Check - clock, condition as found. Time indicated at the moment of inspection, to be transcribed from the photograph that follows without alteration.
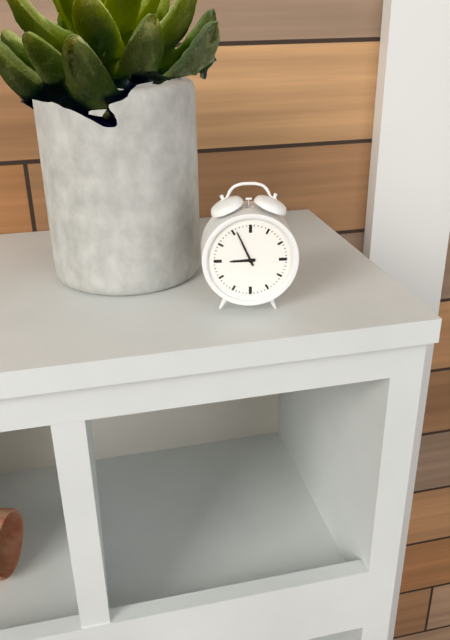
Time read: 8:56
